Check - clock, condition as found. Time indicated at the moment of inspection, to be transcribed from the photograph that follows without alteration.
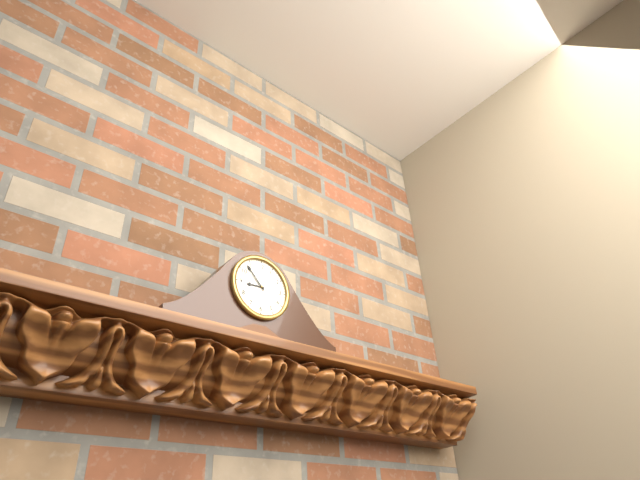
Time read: 8:53
